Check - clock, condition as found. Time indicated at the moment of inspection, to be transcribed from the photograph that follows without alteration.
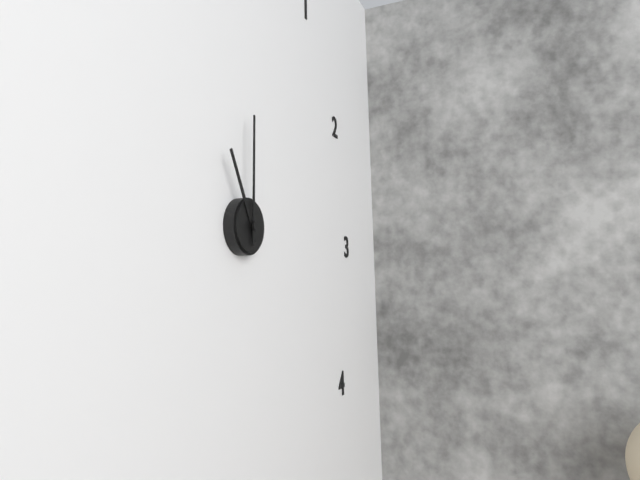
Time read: 11:00
